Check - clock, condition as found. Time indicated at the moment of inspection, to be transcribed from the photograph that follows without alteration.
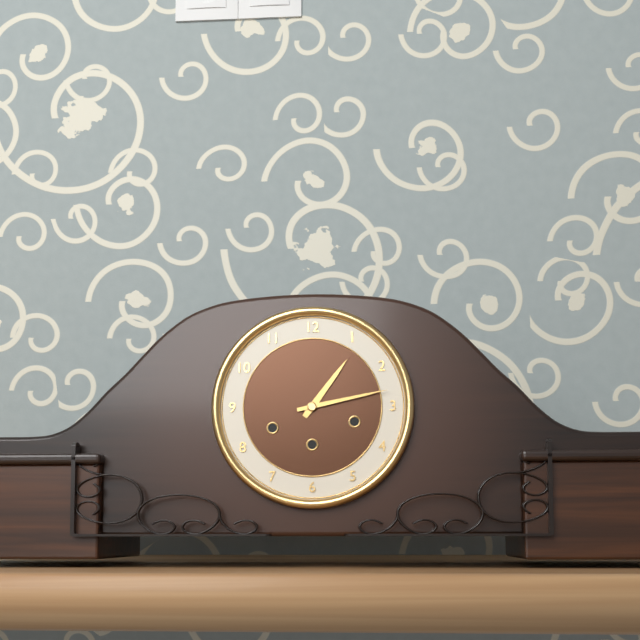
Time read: 1:13
